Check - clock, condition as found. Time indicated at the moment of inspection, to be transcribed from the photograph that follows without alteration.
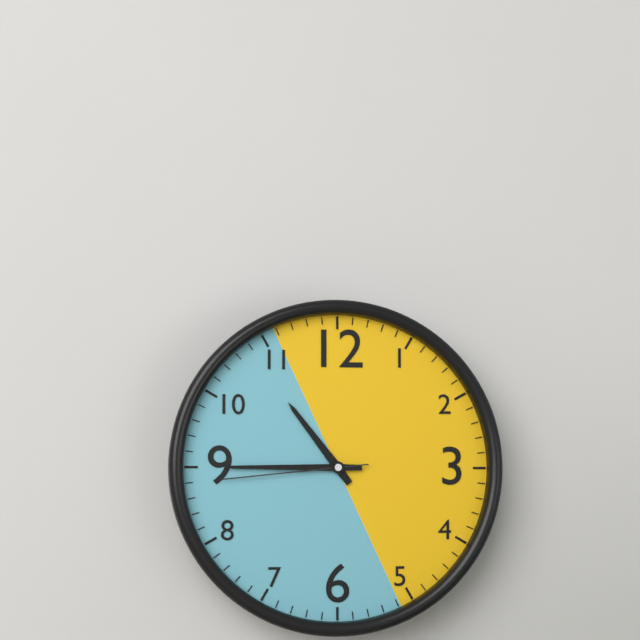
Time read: 10:45:44
